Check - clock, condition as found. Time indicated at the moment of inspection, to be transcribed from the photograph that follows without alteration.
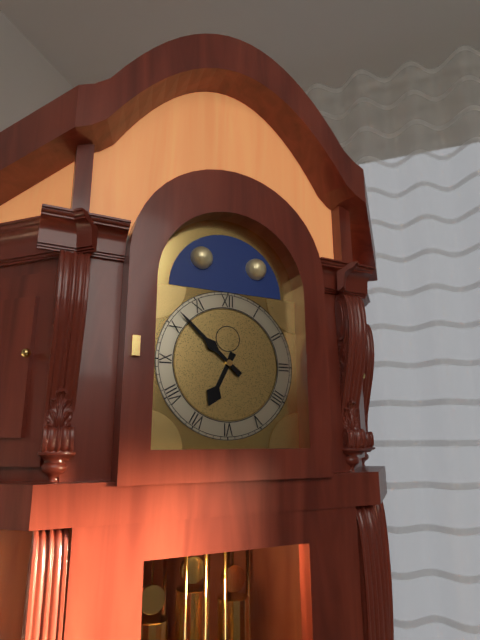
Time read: 6:52
